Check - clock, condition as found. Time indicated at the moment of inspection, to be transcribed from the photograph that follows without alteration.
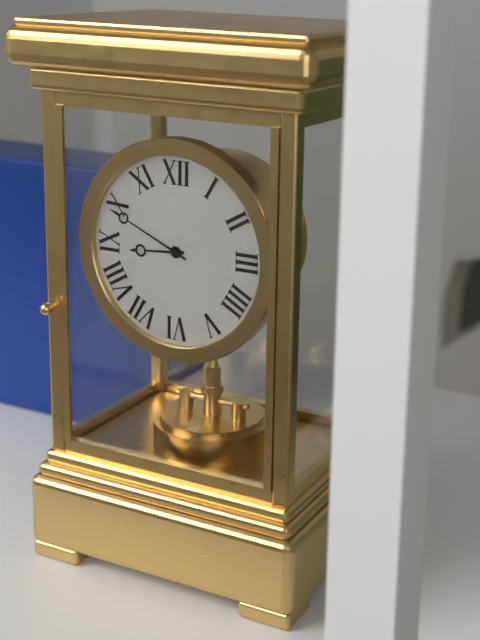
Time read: 8:49
